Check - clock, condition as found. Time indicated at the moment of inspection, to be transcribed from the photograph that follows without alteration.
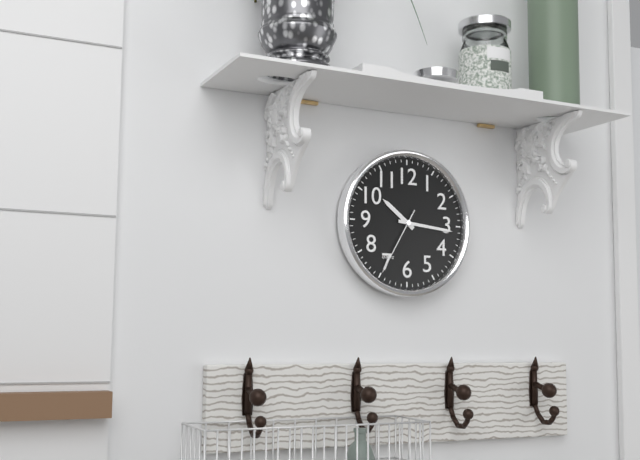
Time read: 10:16:35
